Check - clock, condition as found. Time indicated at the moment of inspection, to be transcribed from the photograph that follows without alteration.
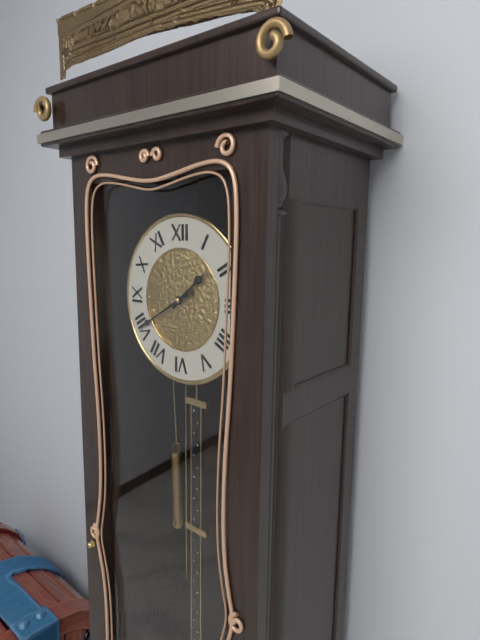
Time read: 1:40
